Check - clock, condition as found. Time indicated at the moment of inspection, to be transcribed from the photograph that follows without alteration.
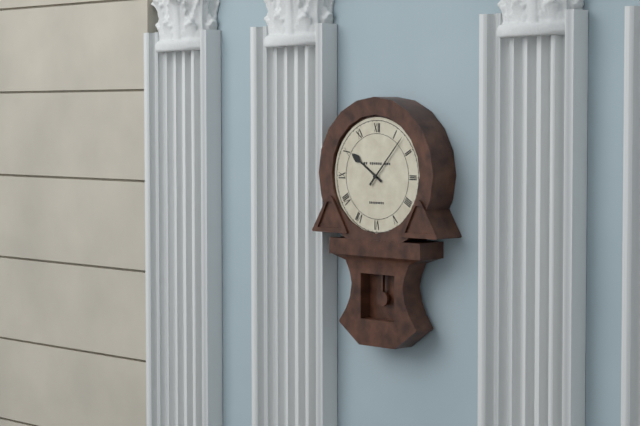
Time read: 10:07
